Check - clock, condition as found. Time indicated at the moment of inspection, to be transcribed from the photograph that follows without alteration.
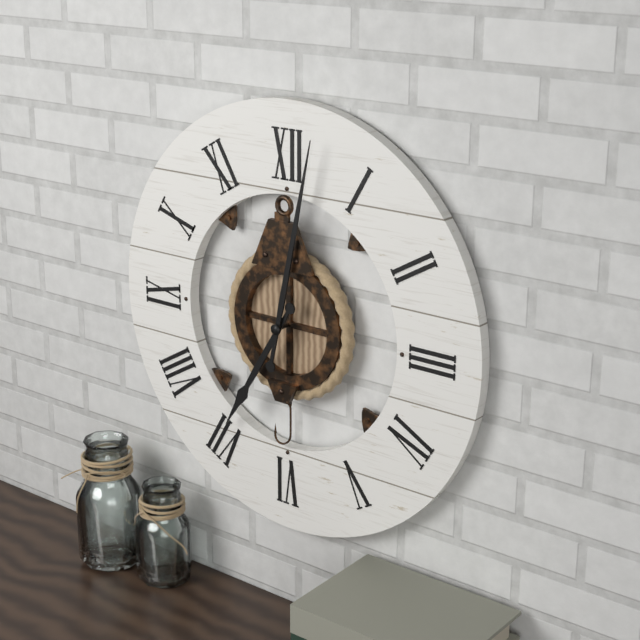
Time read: 7:02
